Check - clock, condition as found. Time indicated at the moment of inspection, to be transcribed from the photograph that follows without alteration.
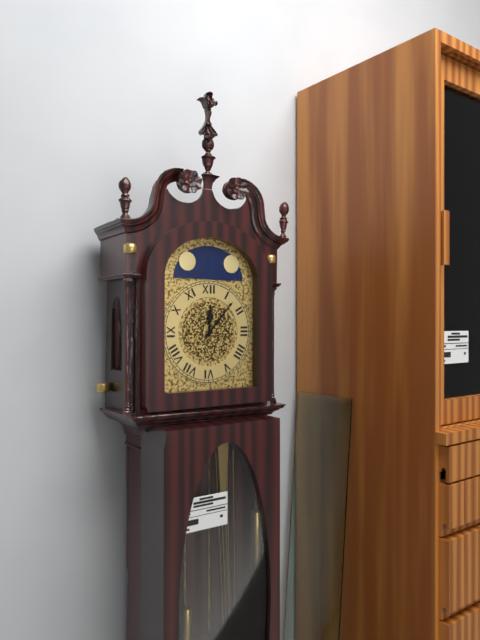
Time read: 12:07
